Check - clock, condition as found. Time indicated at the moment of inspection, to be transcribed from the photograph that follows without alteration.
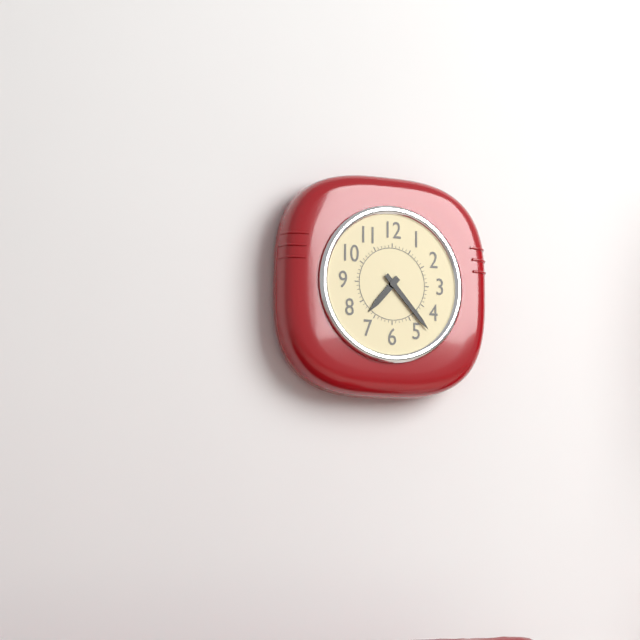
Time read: 7:23
